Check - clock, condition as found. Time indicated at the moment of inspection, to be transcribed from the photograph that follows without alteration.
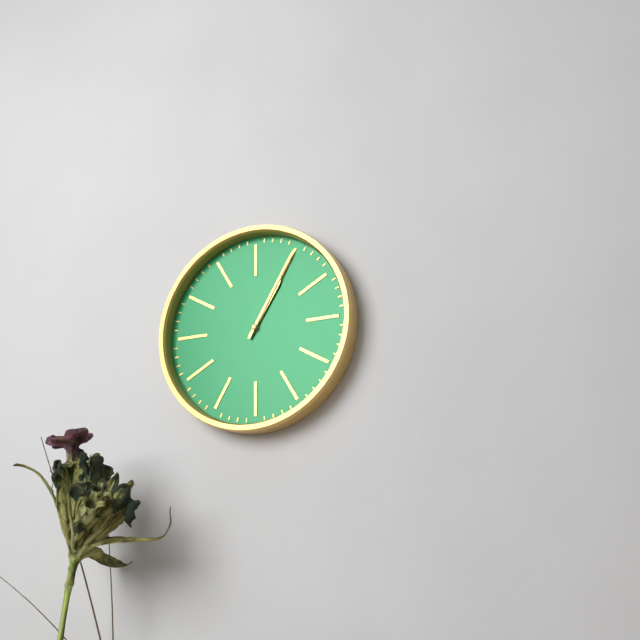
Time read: 1:05
